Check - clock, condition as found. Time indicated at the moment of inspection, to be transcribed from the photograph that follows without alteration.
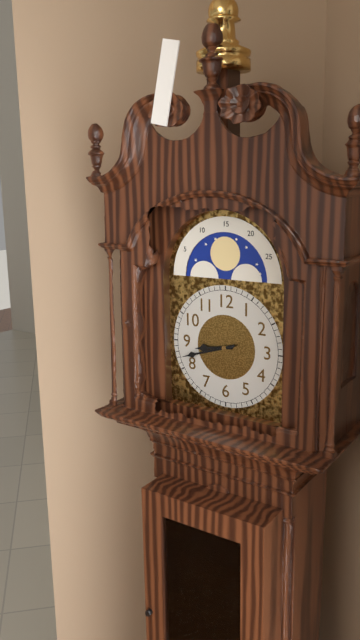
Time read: 8:42
